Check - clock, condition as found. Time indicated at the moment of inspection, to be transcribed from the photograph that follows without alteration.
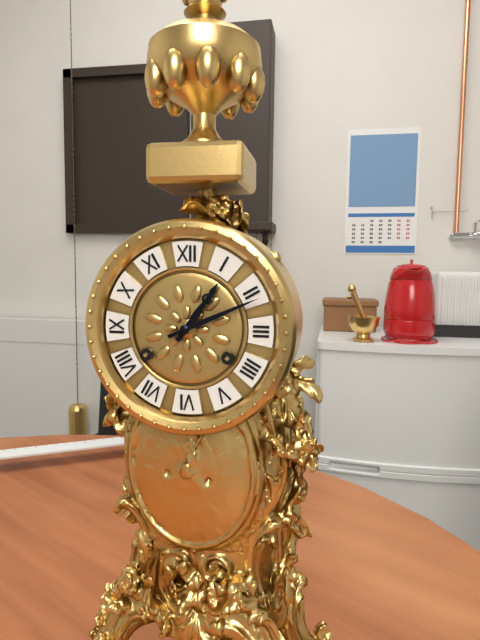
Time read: 1:11
